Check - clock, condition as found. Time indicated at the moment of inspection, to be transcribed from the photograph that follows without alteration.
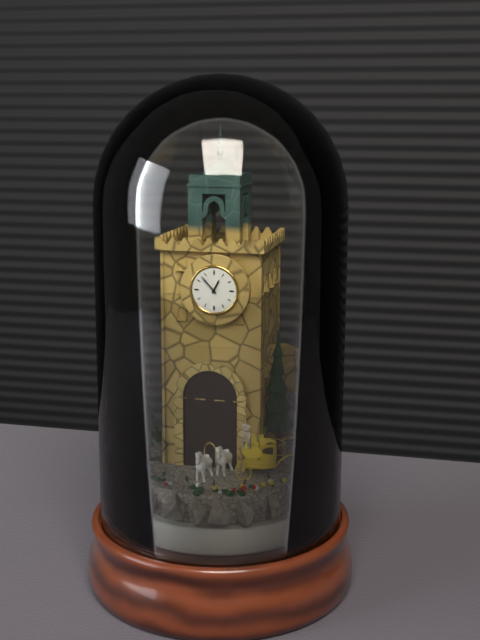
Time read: 12:53
